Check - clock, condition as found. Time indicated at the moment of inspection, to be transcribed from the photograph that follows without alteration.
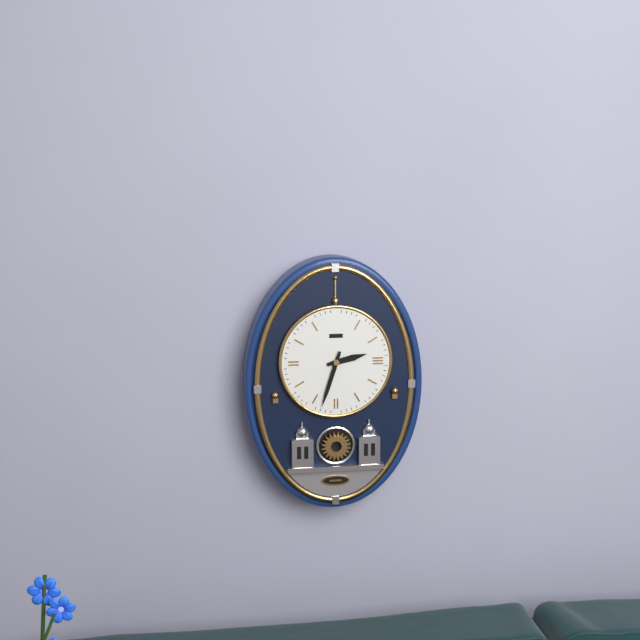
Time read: 2:33
